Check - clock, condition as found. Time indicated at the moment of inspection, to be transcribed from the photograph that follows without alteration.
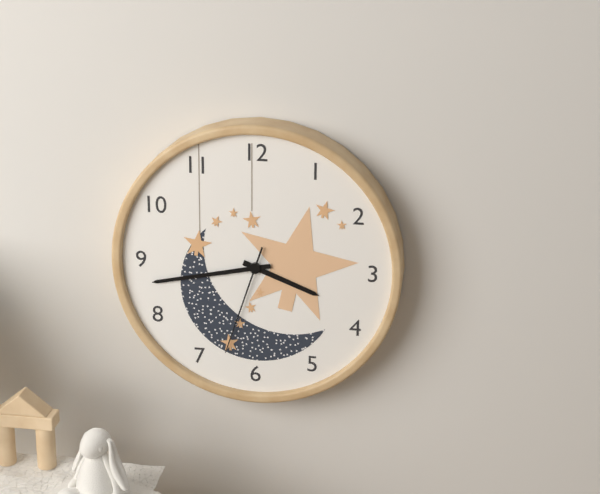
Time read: 3:43:33
